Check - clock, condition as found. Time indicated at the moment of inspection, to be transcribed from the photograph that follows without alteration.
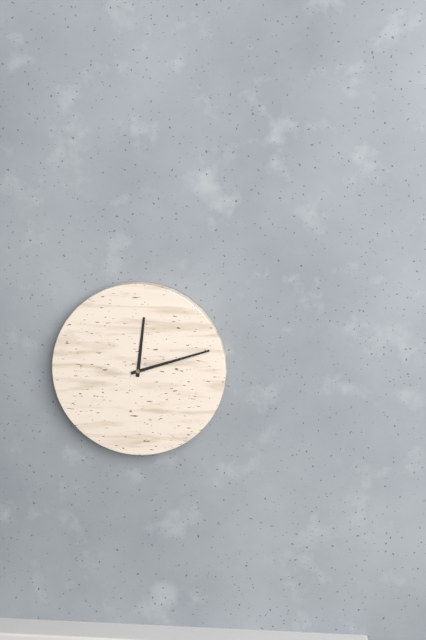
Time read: 12:12
